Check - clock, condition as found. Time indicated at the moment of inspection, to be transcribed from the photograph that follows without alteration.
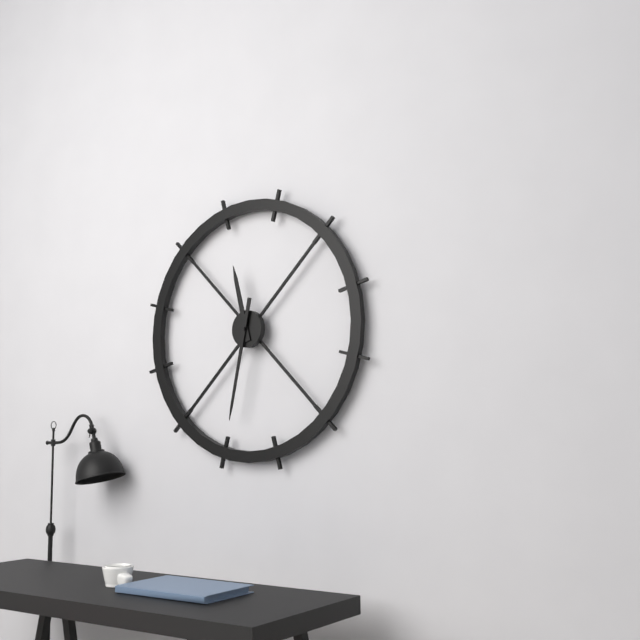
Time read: 11:32
